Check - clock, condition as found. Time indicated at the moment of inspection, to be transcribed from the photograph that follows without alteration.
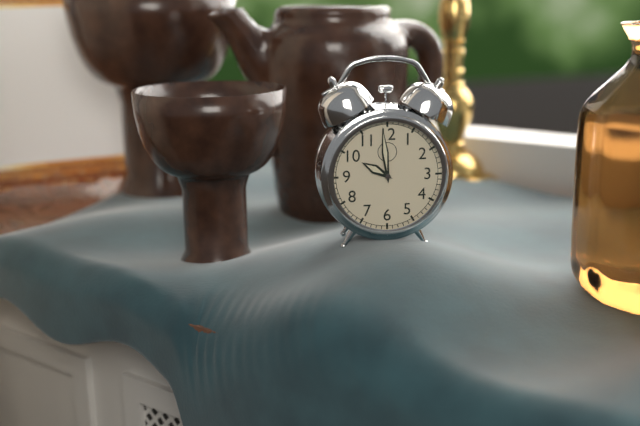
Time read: 9:59
